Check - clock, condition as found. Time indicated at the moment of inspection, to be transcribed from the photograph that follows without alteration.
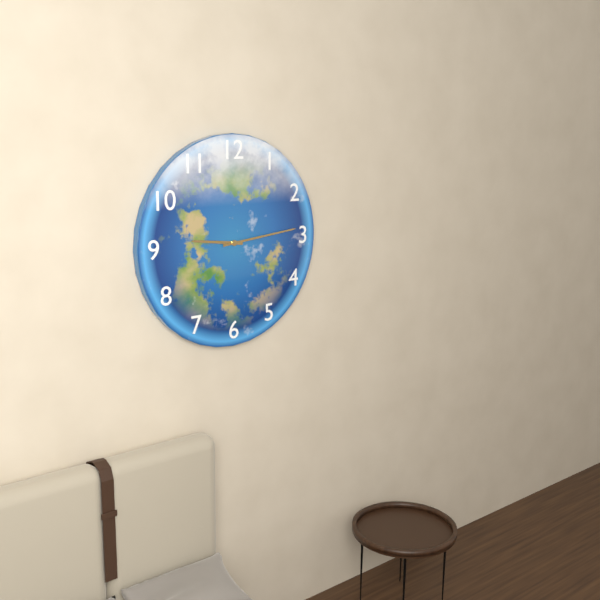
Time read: 9:14
